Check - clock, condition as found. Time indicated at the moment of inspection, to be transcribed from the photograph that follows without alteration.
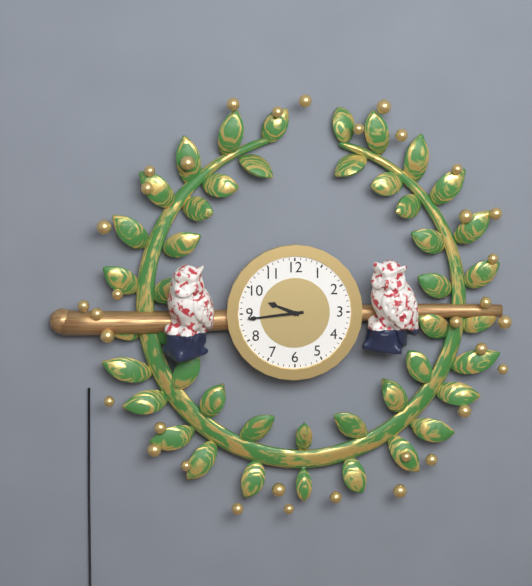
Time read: 9:44
